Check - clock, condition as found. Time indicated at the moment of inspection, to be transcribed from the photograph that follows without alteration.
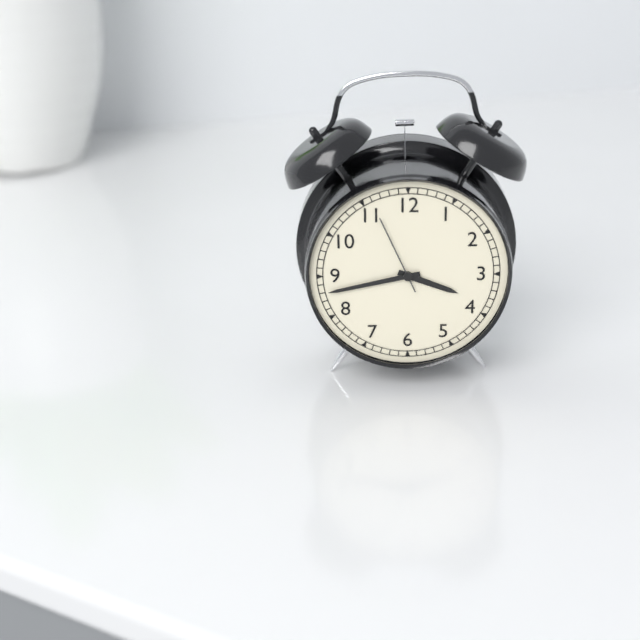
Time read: 3:43:56
